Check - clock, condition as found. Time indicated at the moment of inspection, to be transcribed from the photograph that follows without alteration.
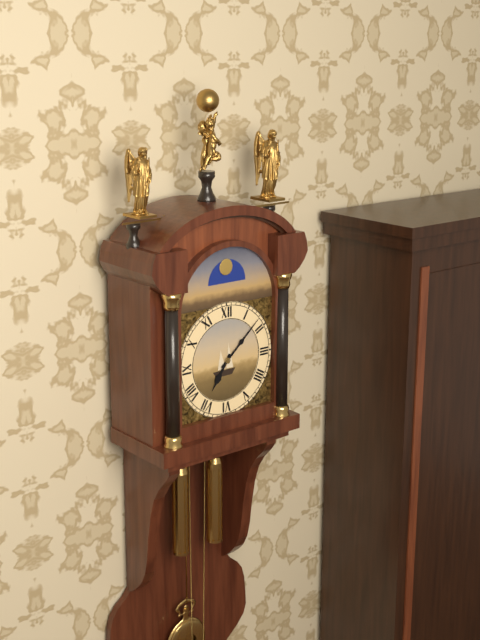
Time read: 7:08
